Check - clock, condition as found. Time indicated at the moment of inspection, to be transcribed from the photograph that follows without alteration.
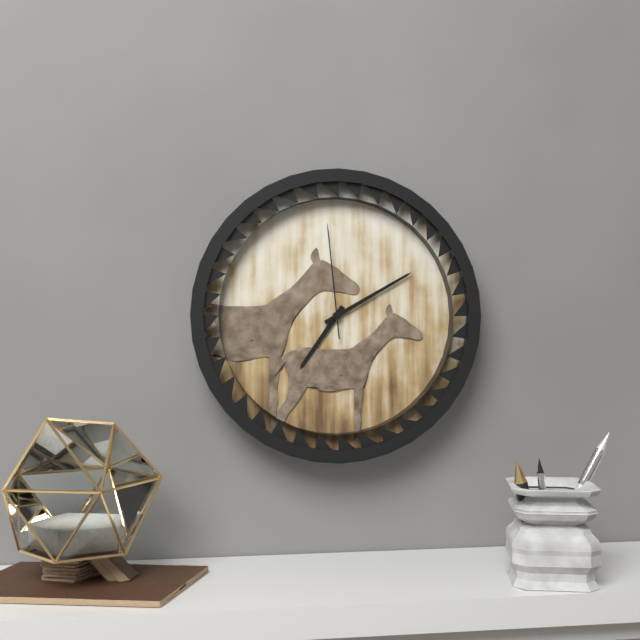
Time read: 7:10:59
